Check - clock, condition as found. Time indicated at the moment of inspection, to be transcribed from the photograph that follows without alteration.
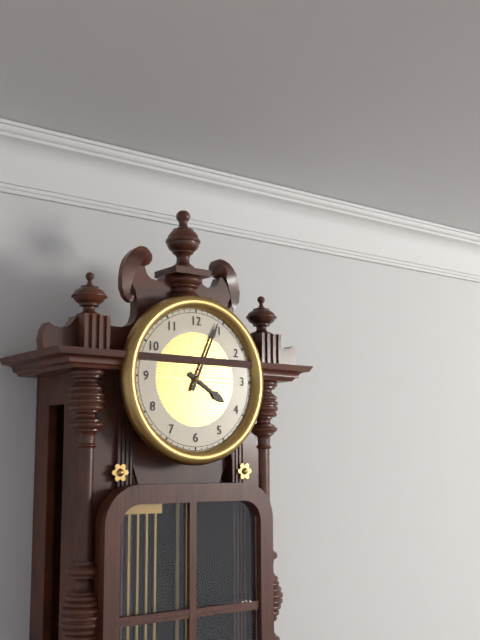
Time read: 4:04
